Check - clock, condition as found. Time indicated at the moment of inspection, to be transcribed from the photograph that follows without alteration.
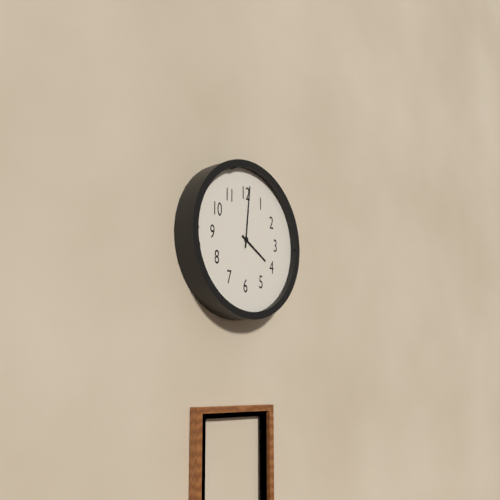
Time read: 4:01
